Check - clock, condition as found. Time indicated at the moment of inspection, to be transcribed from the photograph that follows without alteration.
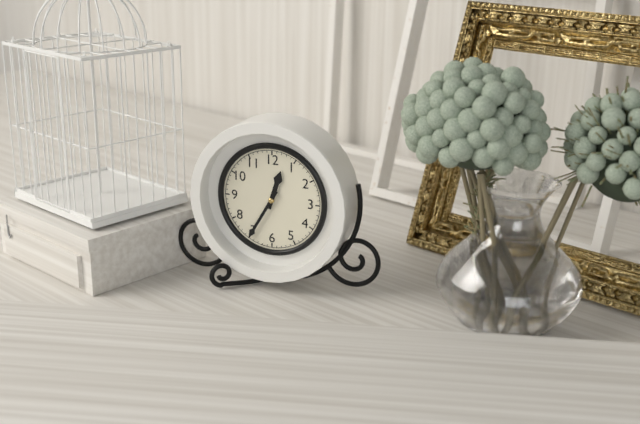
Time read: 12:35
